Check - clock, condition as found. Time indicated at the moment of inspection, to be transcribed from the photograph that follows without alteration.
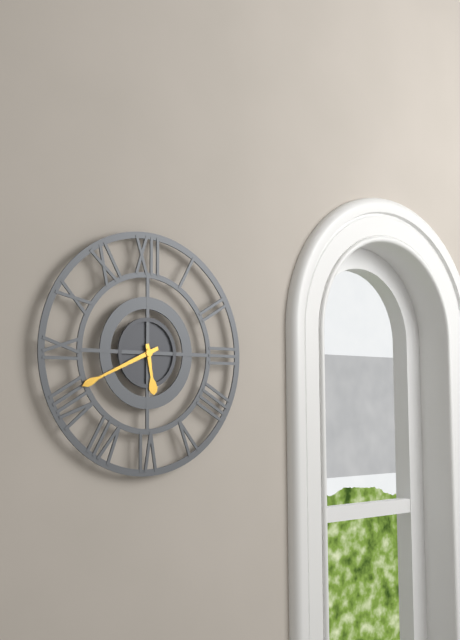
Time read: 5:41
